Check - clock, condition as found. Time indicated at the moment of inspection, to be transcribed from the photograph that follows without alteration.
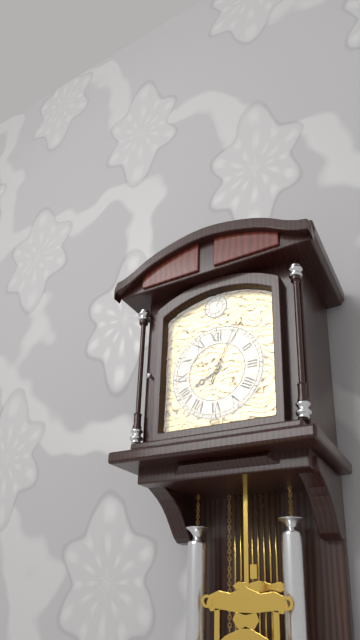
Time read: 8:04
